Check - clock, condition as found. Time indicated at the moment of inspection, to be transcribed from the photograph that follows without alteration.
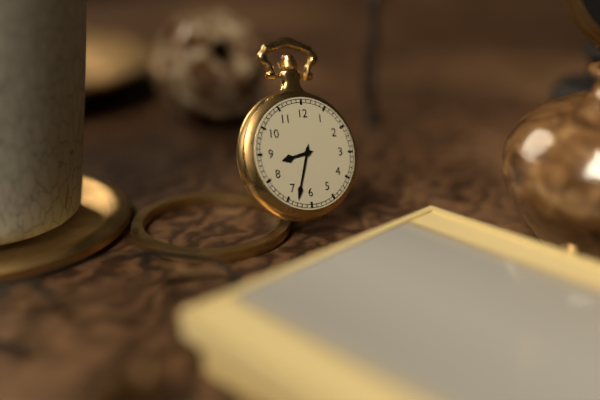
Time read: 8:33
